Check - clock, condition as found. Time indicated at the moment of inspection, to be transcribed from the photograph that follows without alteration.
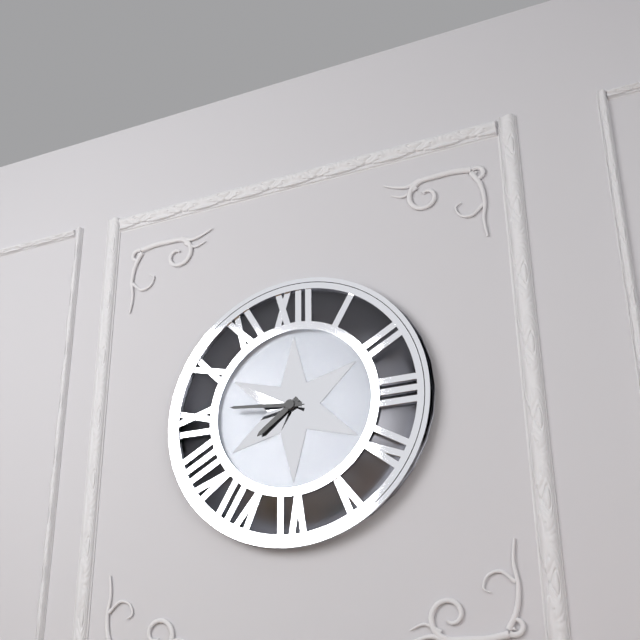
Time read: 7:46
